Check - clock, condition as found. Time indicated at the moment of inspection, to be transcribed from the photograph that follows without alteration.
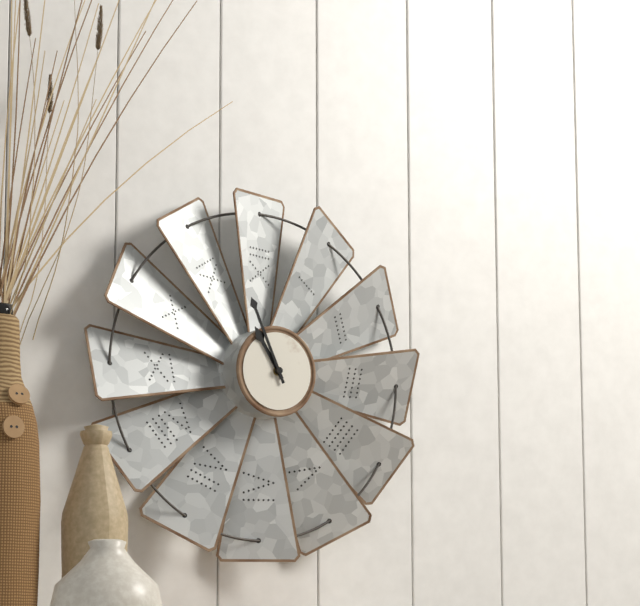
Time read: 10:56
